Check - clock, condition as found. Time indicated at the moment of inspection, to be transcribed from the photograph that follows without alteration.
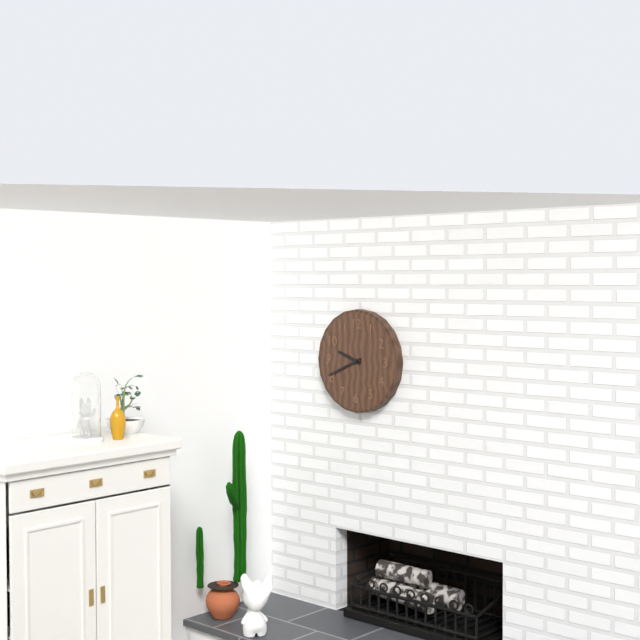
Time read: 9:41
